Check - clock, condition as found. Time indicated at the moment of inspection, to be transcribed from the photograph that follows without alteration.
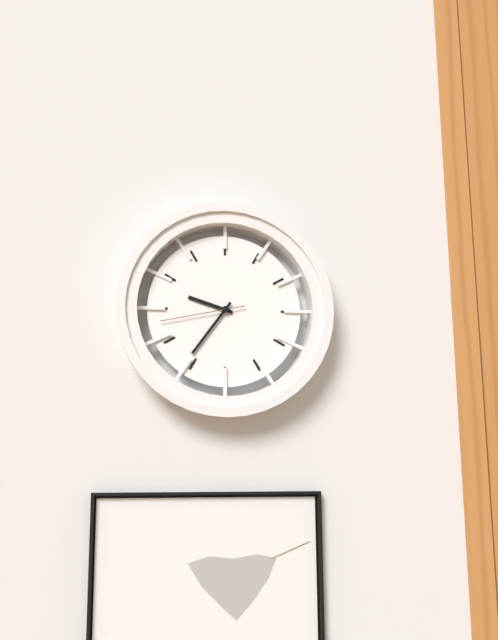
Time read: 9:36:43
